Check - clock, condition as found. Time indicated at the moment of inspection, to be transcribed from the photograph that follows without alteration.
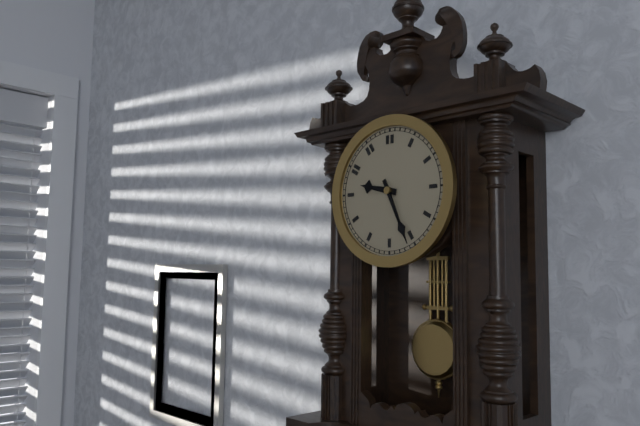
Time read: 9:26
